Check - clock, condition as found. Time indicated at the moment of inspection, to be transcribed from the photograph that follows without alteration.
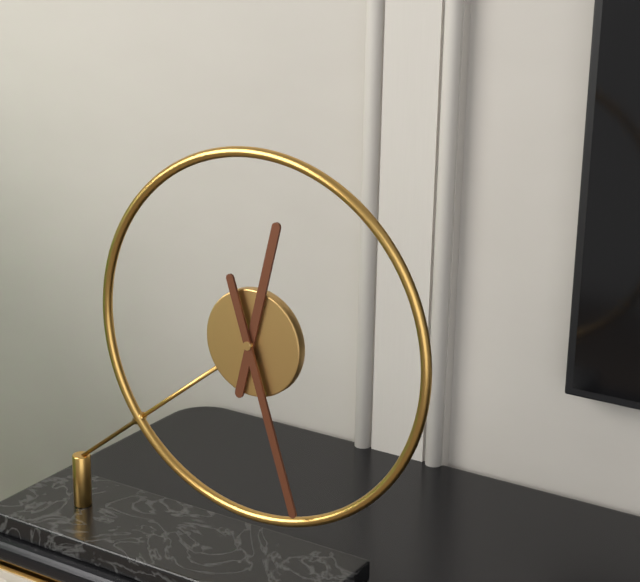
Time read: 12:27
